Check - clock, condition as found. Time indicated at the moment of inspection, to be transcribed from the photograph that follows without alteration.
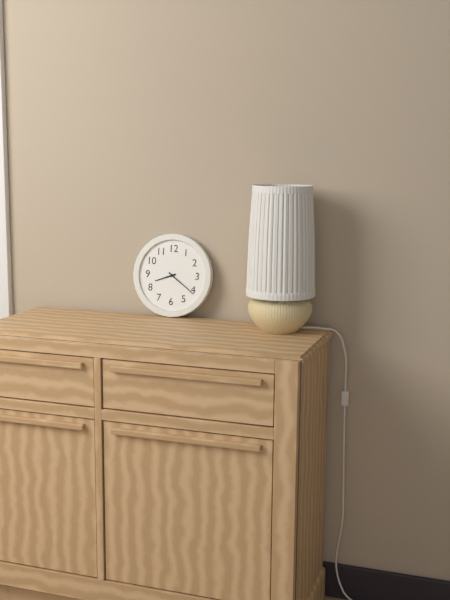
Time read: 8:21
